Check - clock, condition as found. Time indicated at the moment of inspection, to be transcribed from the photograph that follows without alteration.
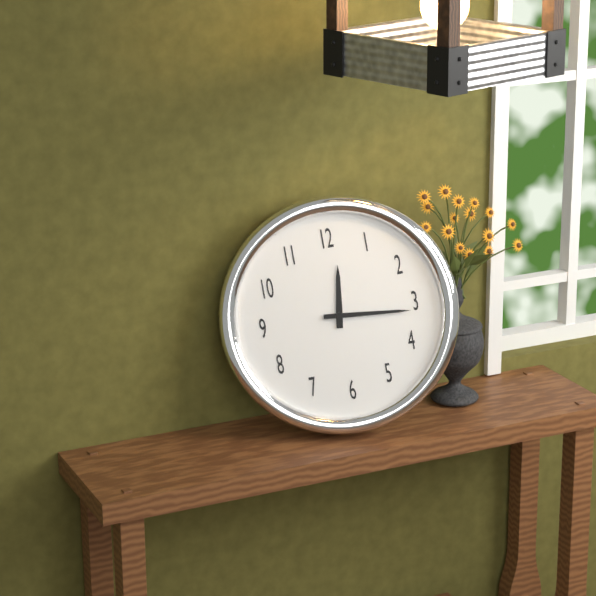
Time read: 12:16
